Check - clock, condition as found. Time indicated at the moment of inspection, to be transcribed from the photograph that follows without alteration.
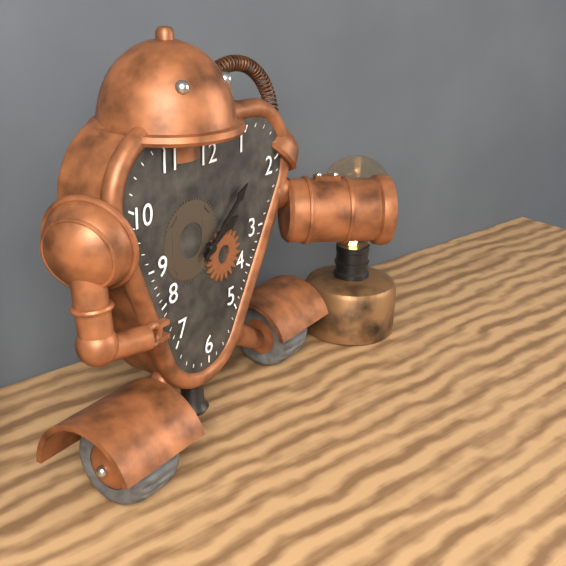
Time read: 2:08
